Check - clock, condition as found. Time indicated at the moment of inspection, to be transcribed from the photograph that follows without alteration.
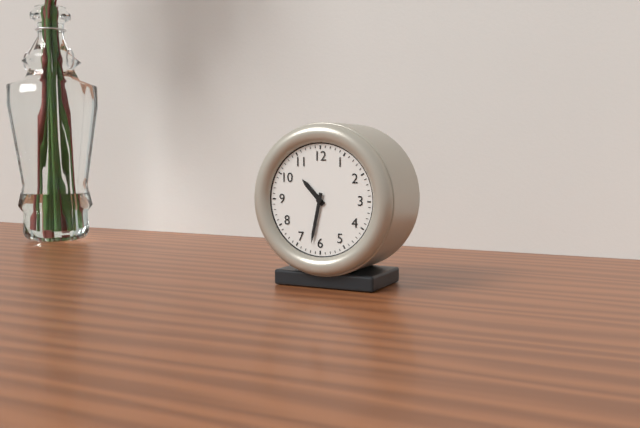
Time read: 10:32
